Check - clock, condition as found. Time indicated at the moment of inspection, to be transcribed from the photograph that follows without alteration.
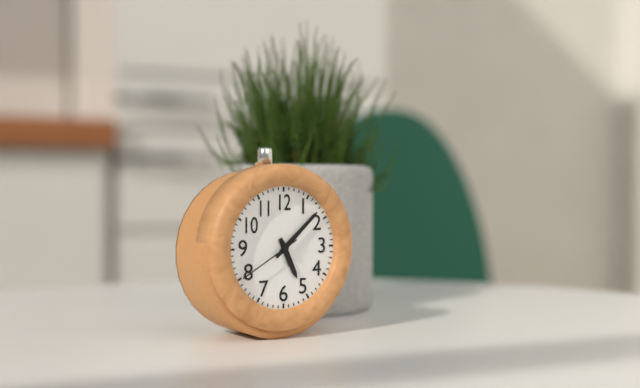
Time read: 5:08:40
